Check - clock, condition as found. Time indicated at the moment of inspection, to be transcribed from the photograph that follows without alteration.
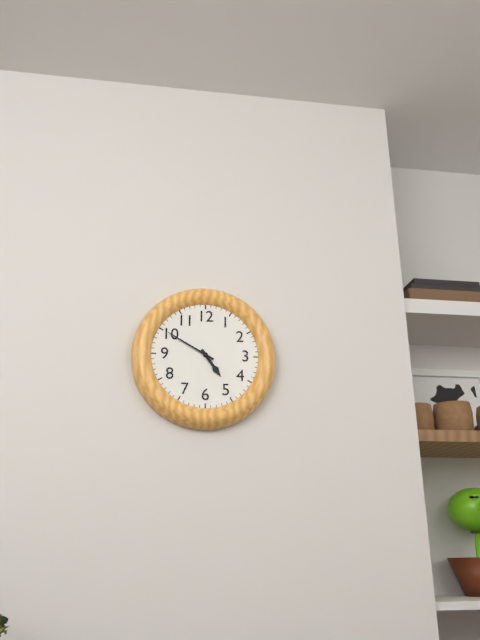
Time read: 4:50
